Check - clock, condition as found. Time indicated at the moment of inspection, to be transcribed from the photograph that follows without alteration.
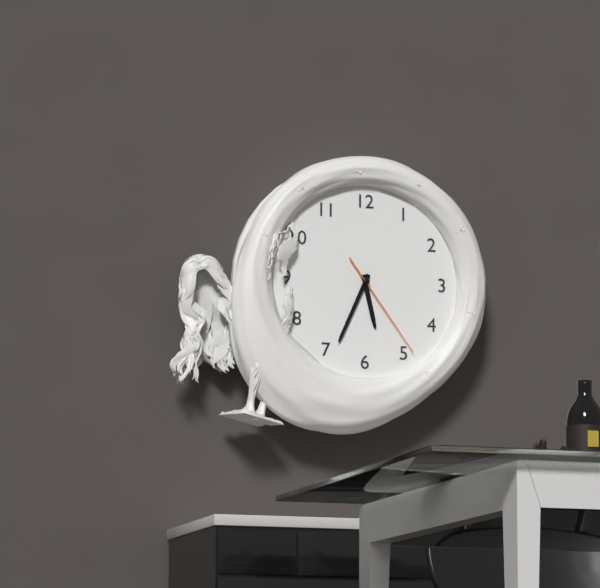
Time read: 5:34:24
